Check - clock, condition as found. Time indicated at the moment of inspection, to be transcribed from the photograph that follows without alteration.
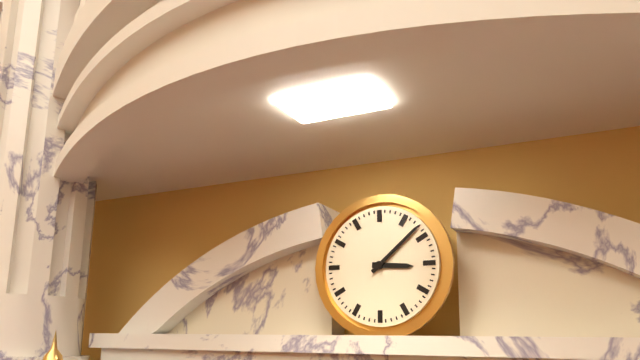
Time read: 3:08
